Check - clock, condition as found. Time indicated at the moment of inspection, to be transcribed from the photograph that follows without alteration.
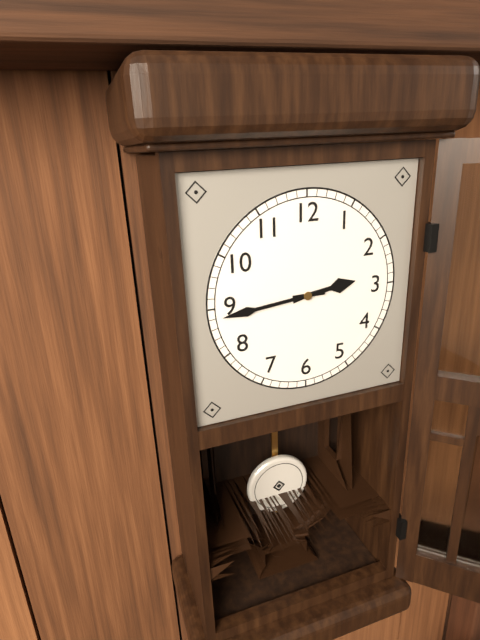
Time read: 2:44
